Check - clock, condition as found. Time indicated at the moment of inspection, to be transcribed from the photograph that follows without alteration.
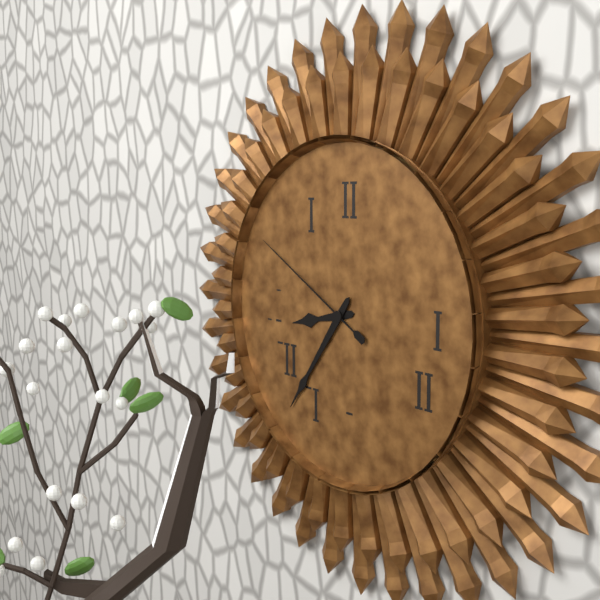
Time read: 8:36:50
